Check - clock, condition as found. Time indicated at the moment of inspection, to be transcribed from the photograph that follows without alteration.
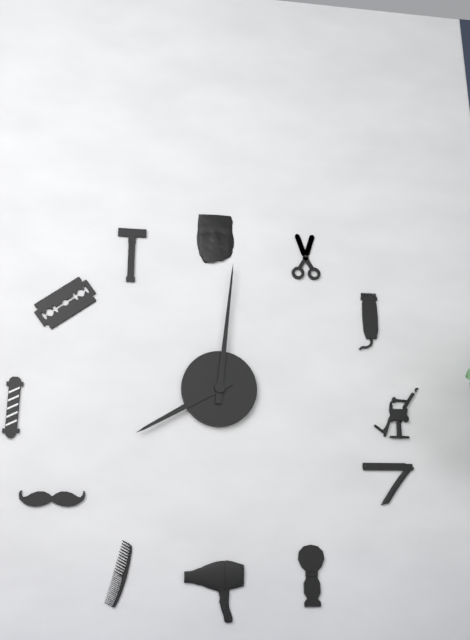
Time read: 8:01
